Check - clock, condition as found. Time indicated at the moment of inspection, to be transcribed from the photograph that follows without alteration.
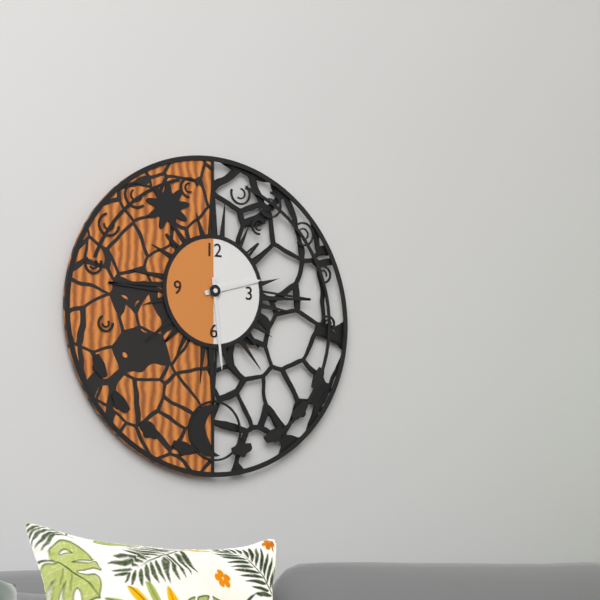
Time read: 2:29
